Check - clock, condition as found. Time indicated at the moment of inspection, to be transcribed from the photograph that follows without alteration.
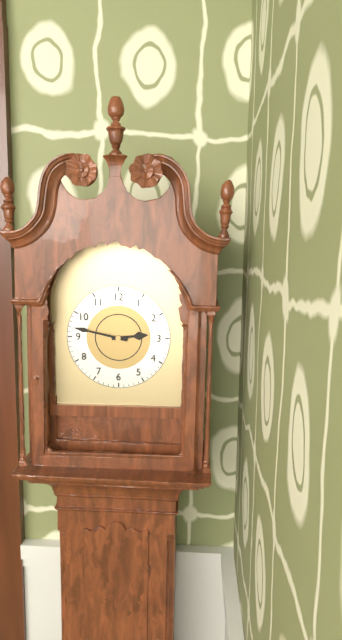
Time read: 2:47
